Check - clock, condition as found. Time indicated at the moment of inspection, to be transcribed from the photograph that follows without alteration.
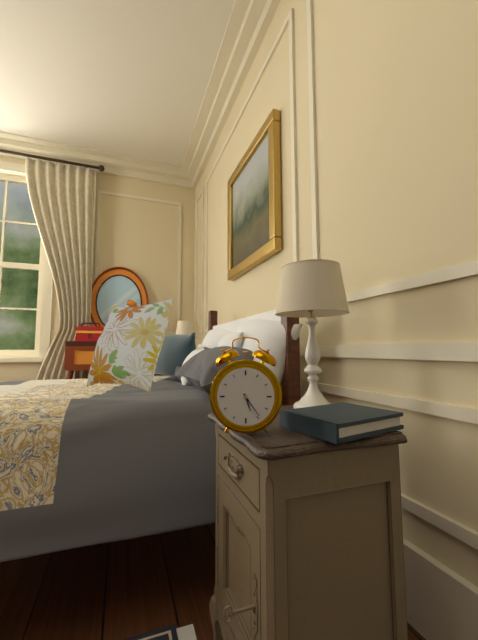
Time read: 5:24
